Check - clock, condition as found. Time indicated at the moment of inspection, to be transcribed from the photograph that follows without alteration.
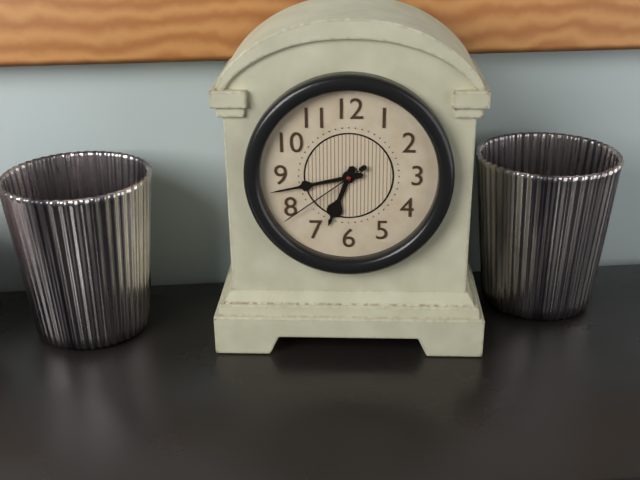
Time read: 6:43:39
